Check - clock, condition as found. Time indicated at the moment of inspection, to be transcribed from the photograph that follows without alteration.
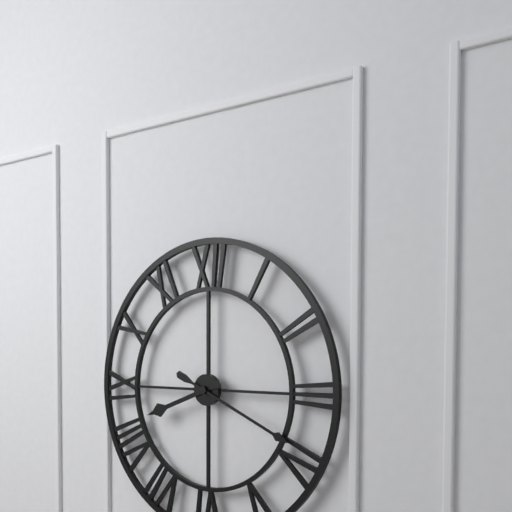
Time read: 8:19
